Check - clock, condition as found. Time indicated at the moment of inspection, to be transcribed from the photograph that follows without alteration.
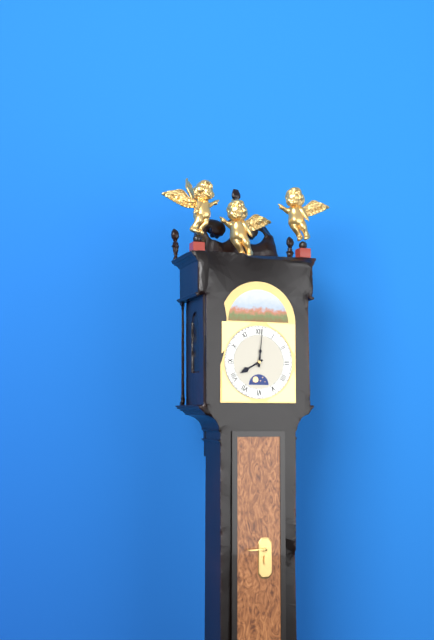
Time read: 8:01
